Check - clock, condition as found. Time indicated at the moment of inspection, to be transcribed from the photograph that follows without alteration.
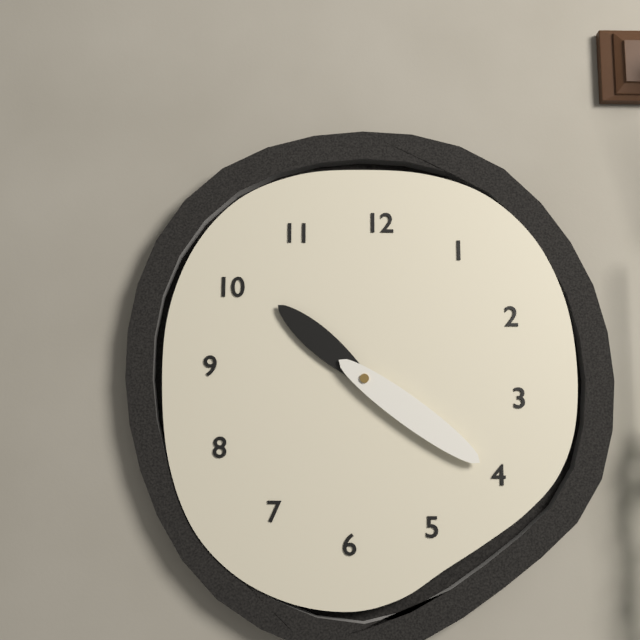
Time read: 10:21
